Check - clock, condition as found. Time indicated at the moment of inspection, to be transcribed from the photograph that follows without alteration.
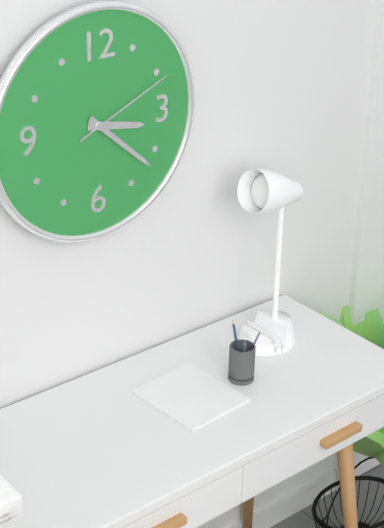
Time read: 3:22:11
